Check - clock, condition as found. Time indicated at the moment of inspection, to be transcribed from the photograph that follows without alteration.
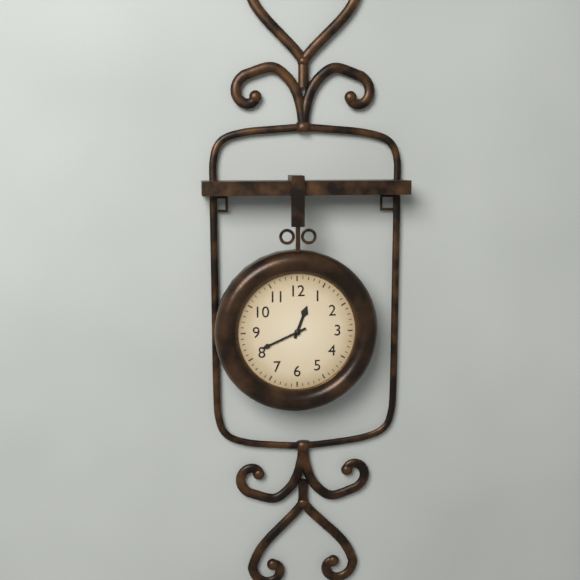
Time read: 12:41
